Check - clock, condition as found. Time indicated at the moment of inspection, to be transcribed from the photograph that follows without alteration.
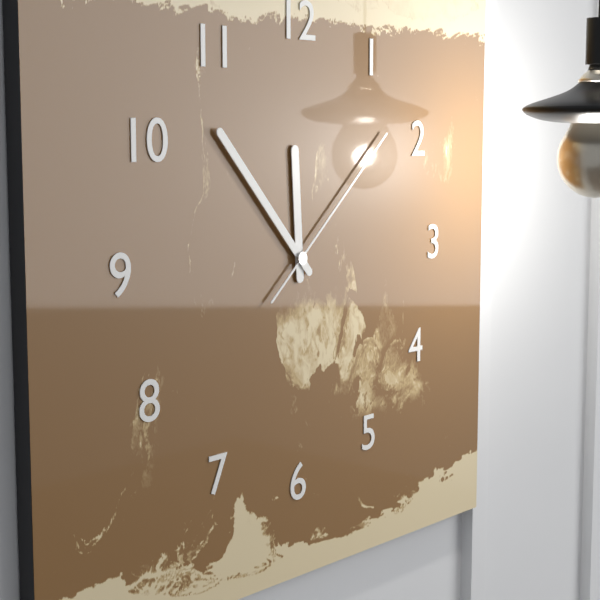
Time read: 11:53:08
